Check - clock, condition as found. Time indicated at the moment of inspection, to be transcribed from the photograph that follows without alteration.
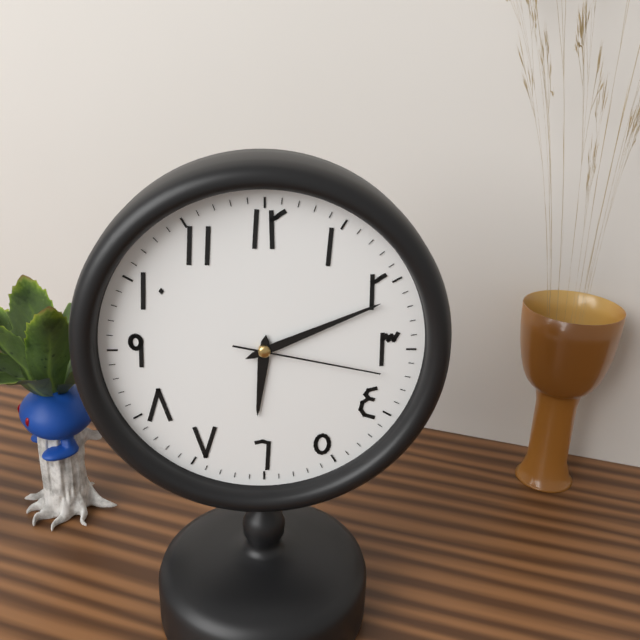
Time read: 6:11:17
